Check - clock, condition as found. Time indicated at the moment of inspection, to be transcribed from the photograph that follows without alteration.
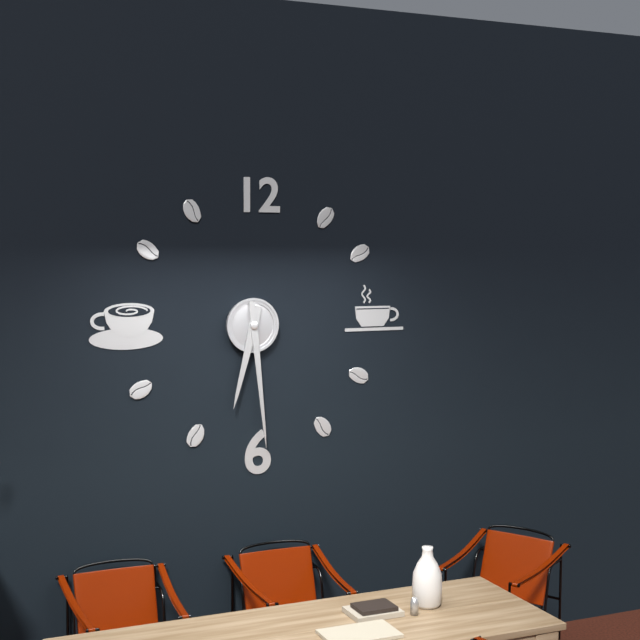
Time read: 6:29
